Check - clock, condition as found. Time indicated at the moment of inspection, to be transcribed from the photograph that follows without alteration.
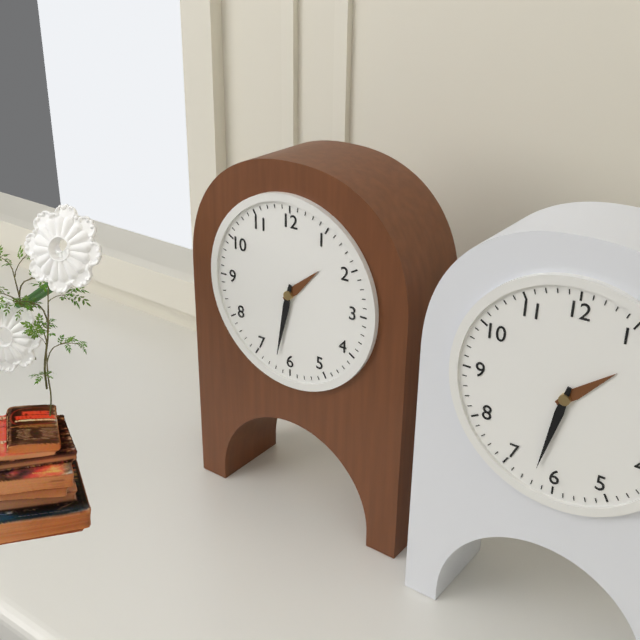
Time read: 1:32
